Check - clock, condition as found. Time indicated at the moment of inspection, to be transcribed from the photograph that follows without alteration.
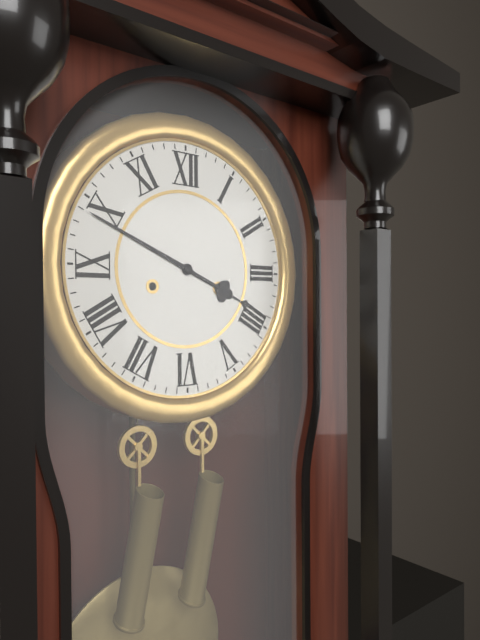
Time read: 3:49
